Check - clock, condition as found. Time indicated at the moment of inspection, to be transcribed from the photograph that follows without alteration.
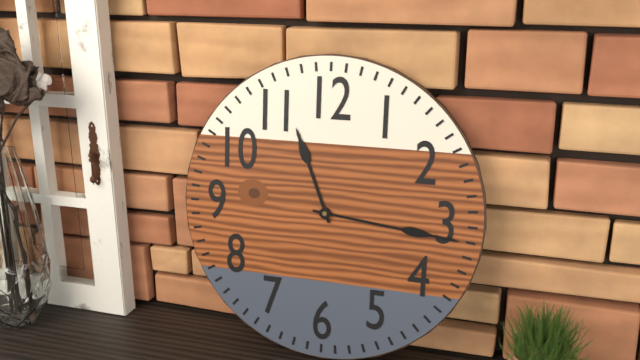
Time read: 11:16
